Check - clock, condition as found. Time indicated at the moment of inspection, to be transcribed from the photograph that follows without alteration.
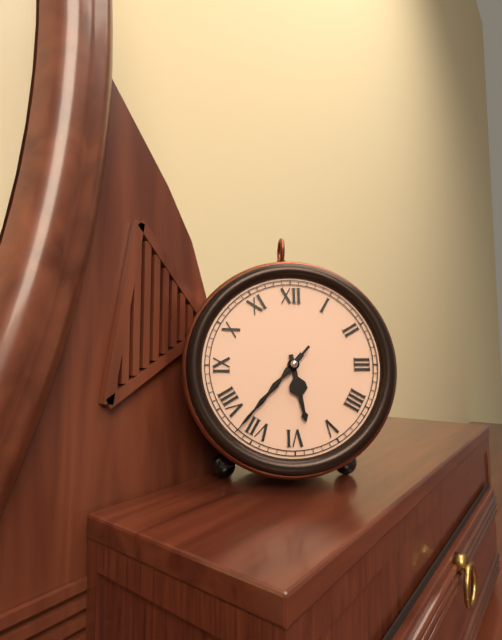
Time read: 5:37:37
